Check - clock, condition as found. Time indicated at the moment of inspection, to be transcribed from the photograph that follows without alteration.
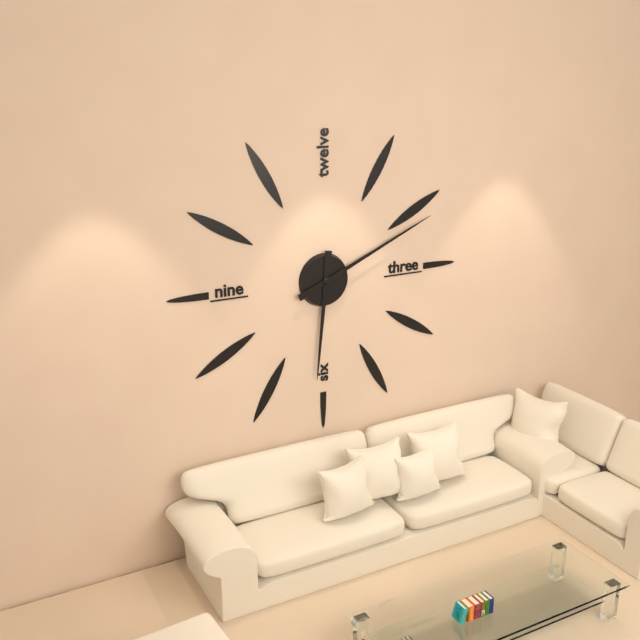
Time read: 6:11
